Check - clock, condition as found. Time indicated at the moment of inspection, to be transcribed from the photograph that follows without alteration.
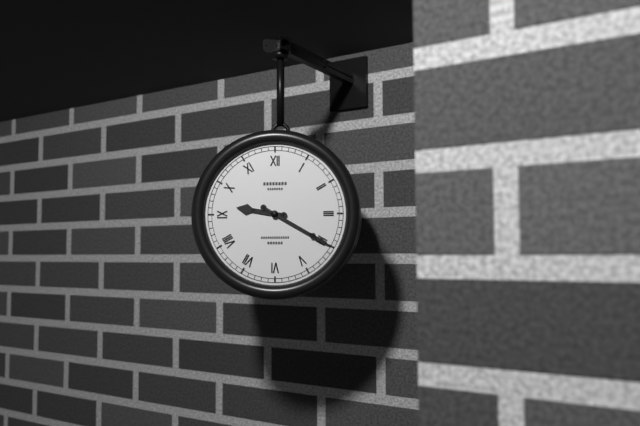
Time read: 9:20
